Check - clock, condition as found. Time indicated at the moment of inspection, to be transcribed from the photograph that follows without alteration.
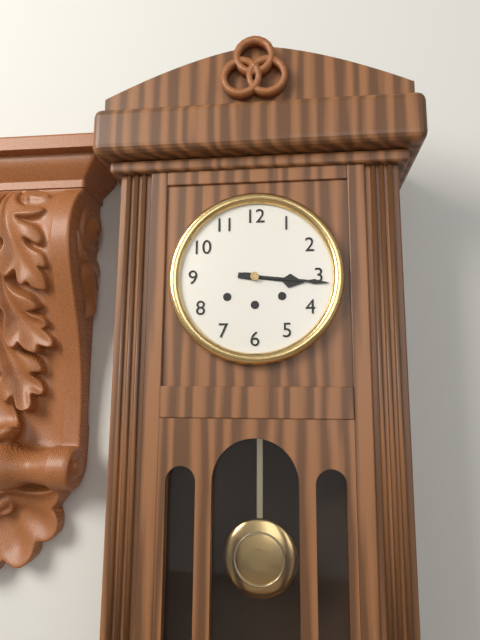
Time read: 3:16
